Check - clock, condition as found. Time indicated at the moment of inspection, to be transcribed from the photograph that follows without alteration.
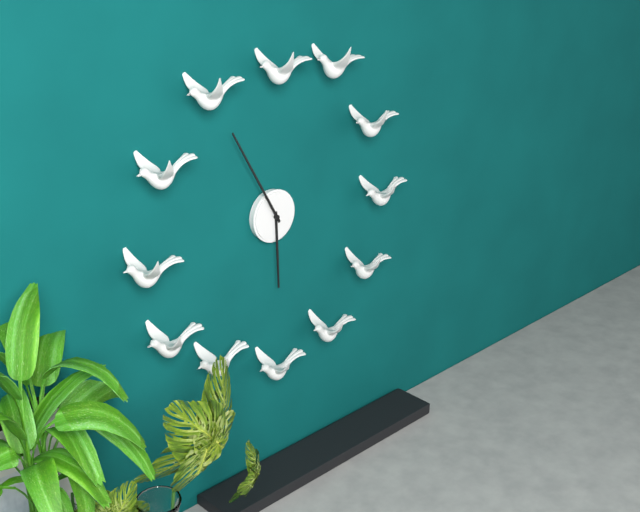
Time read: 5:55
